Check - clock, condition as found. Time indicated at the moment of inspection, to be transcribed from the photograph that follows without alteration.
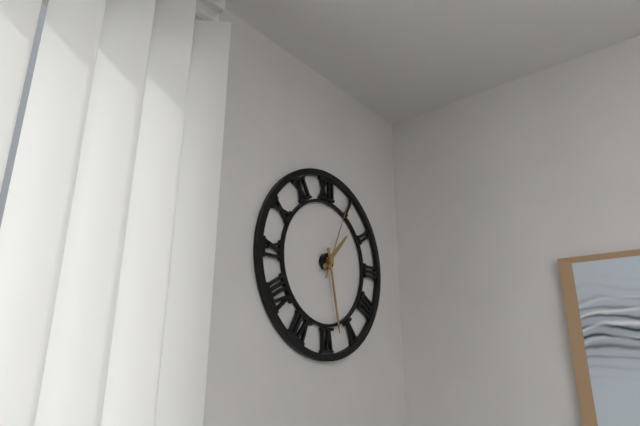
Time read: 1:28:04
